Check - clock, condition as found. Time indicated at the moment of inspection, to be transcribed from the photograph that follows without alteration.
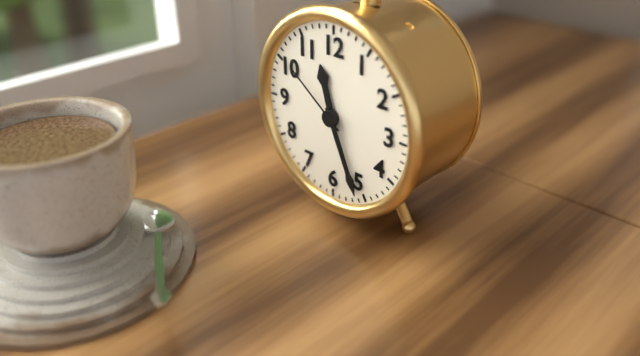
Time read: 11:26:51
